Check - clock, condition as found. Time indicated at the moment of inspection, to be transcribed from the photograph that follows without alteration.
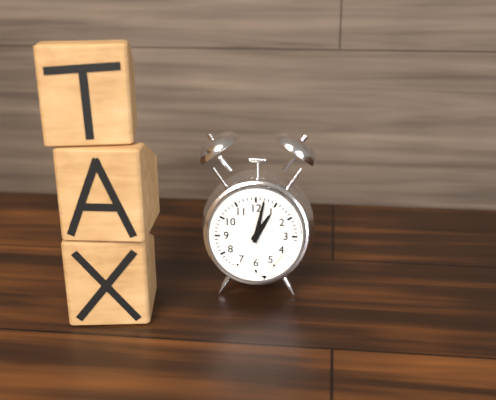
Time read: 1:02
